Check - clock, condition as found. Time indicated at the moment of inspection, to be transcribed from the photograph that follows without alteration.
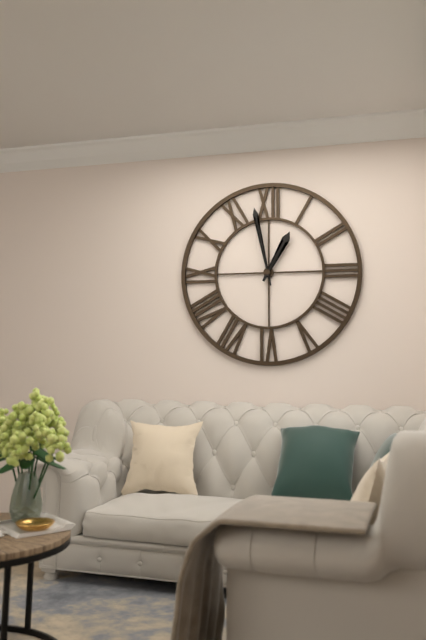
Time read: 12:58
